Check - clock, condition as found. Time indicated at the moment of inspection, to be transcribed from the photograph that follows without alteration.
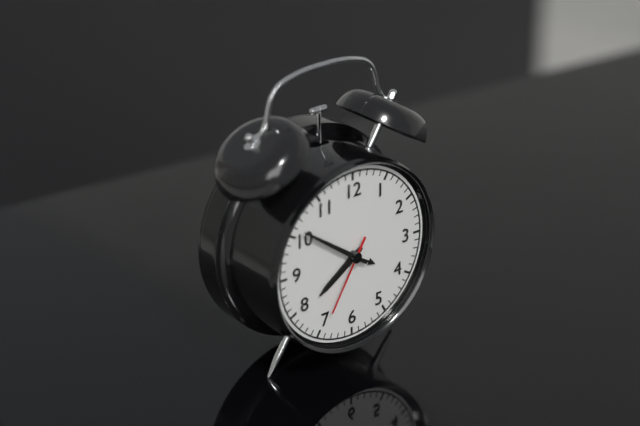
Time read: 7:51:35
